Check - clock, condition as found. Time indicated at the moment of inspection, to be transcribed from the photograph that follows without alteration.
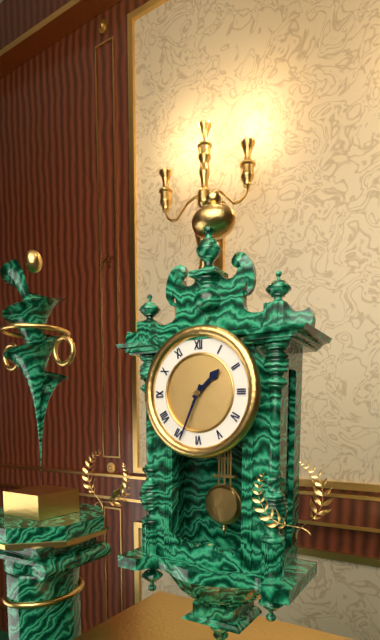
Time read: 1:34
